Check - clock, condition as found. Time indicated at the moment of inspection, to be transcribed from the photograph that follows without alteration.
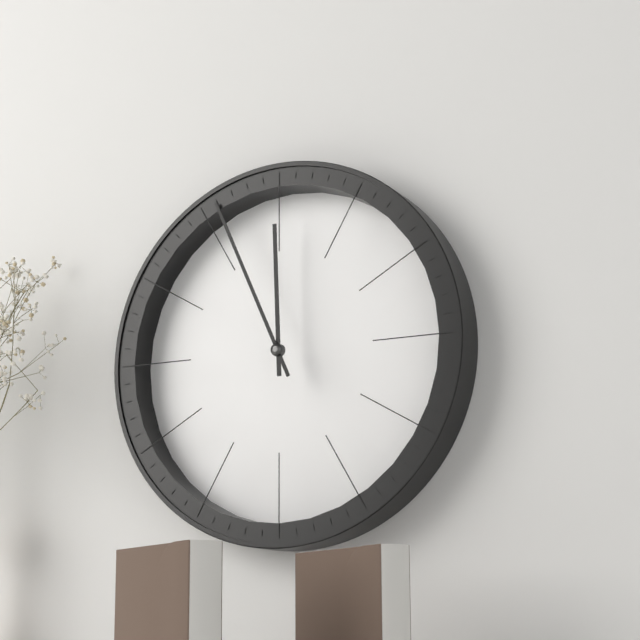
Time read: 11:56
